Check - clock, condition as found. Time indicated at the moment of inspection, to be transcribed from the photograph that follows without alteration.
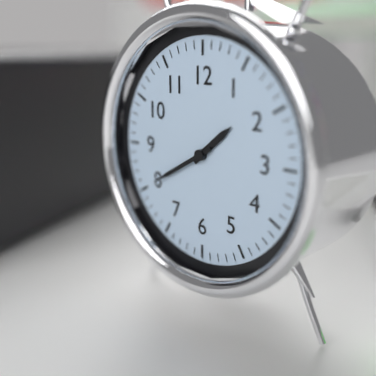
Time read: 1:40
